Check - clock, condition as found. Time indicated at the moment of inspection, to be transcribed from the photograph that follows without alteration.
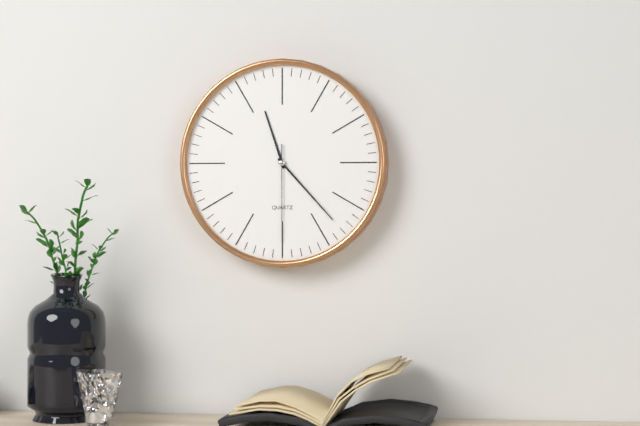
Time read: 11:23:30
